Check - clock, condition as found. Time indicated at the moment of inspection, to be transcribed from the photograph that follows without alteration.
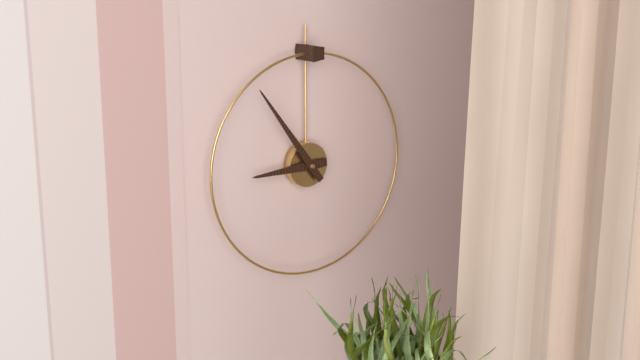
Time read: 8:54
